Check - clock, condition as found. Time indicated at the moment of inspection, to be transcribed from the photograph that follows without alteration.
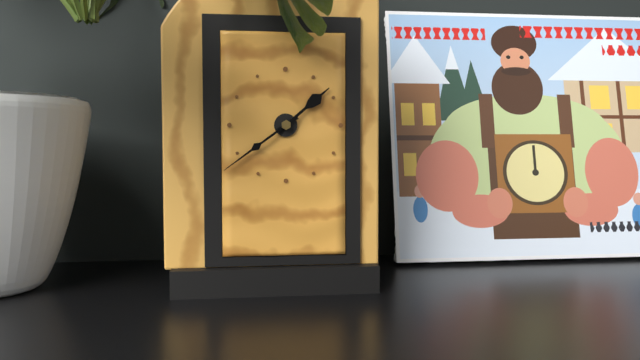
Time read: 1:39
